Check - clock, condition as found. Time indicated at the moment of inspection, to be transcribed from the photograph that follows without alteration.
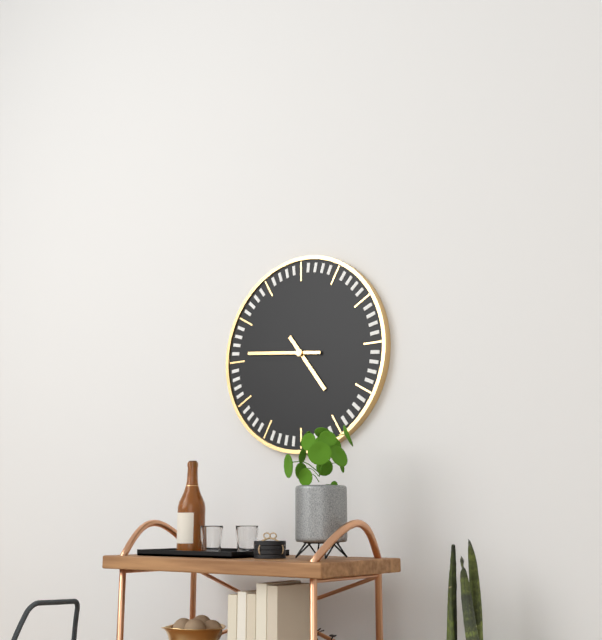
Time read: 4:46
